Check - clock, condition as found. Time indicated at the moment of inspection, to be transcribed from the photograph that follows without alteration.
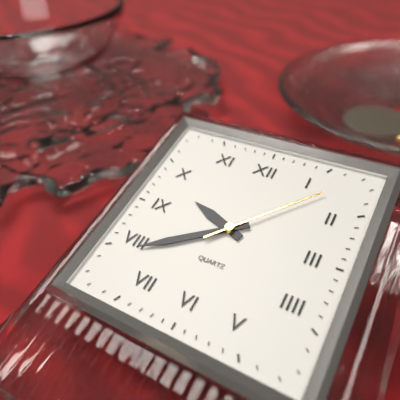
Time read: 9:39:07
